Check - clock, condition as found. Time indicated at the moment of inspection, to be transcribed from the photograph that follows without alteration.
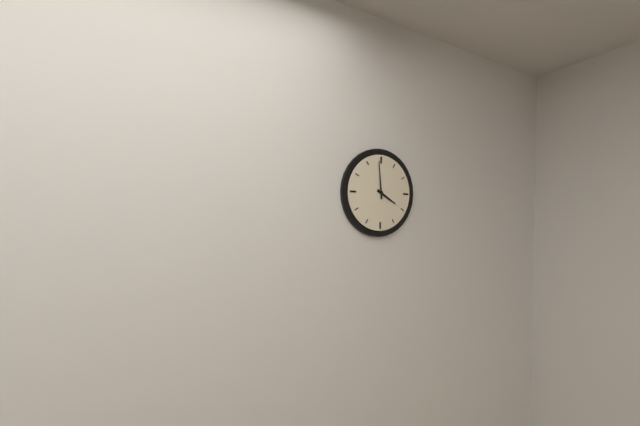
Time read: 3:59
